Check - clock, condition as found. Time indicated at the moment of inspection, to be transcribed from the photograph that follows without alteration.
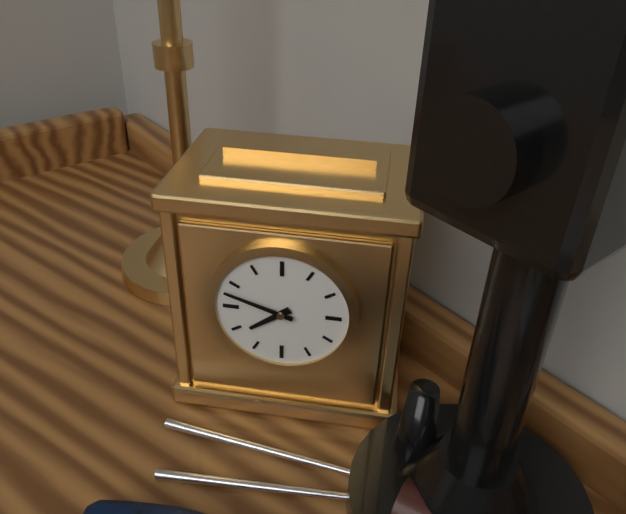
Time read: 7:48
